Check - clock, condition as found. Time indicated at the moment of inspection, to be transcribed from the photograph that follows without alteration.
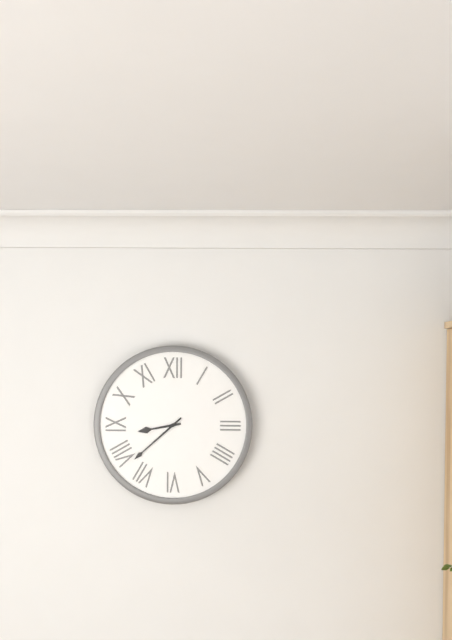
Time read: 8:38
